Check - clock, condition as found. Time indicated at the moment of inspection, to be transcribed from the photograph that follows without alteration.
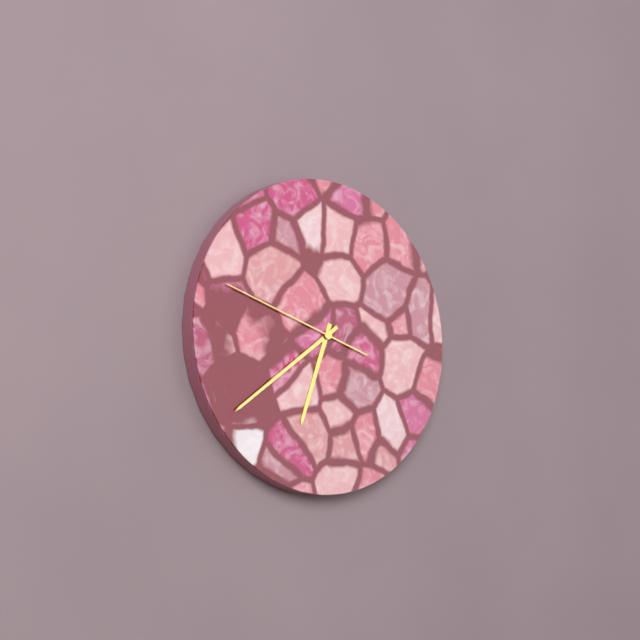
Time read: 6:39:48
